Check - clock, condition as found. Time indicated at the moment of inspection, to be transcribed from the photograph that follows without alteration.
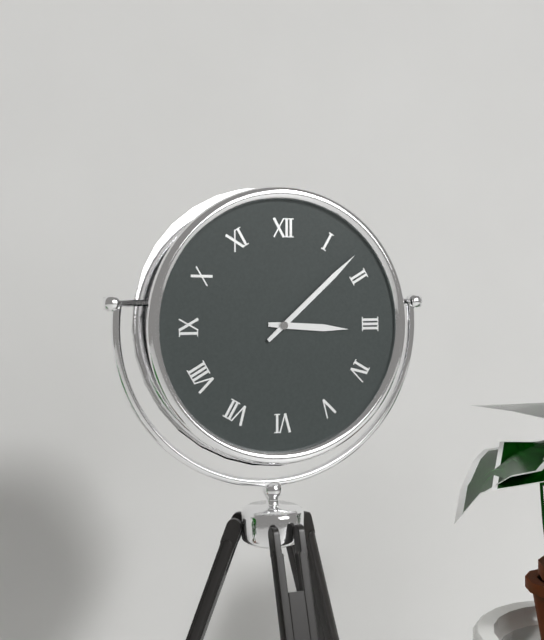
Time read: 3:08
